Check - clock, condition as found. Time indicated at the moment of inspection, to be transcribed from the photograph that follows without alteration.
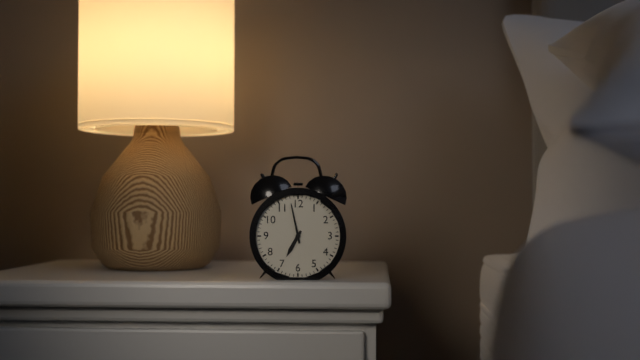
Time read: 6:58
